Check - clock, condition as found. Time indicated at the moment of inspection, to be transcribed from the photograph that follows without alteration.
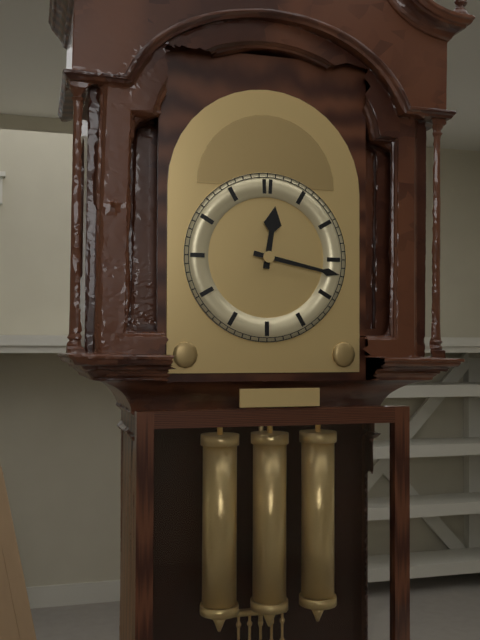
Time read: 12:17
